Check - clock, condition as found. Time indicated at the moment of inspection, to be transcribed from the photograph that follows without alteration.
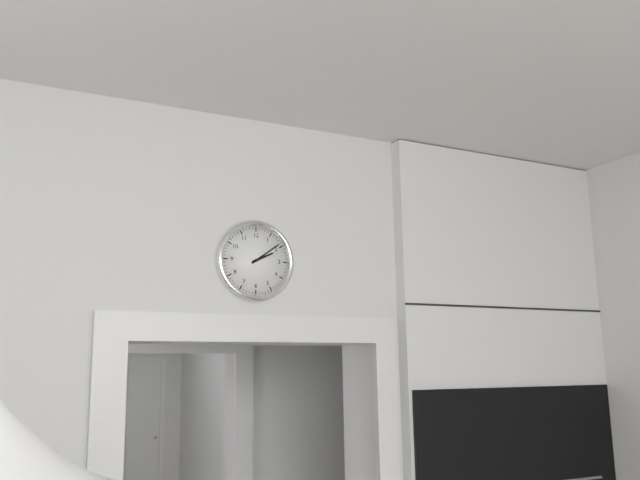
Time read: 2:09
